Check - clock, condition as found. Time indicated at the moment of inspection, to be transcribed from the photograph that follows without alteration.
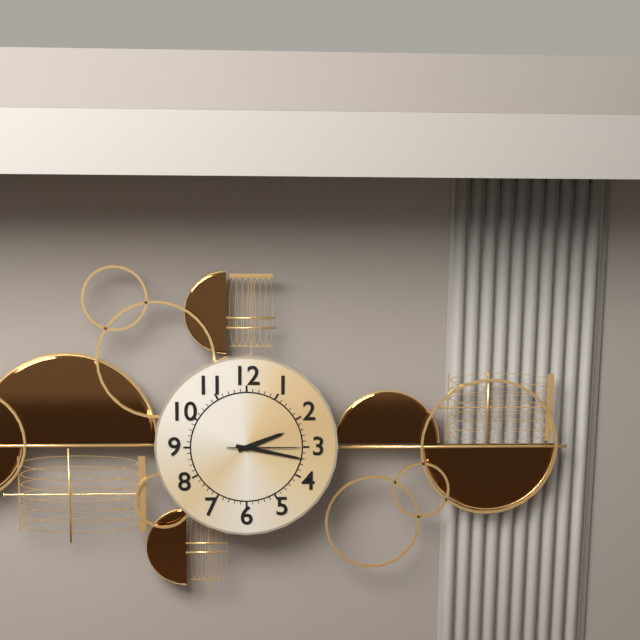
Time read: 2:17:15
